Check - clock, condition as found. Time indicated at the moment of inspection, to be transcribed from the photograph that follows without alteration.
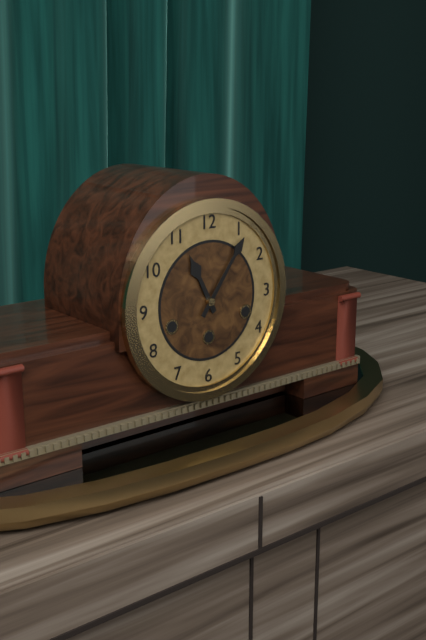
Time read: 11:06
